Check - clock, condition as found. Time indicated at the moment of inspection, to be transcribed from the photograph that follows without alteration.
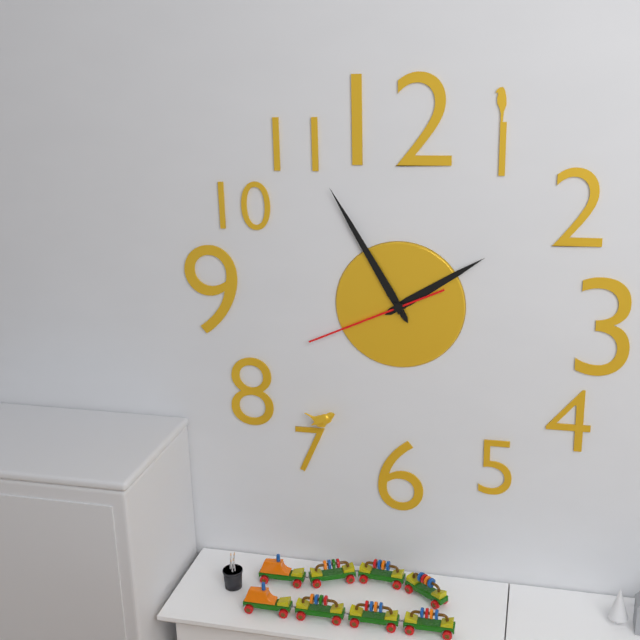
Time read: 1:55:41
